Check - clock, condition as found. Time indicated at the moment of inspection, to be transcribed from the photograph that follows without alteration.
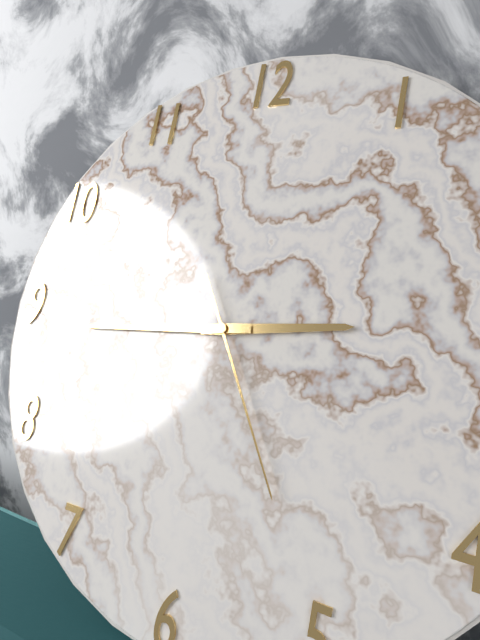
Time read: 2:44:25
